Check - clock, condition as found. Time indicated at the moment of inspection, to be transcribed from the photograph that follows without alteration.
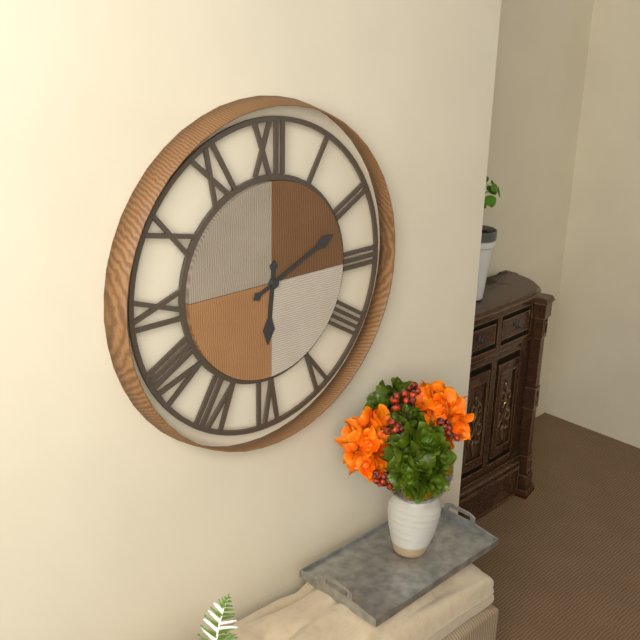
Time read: 6:11
